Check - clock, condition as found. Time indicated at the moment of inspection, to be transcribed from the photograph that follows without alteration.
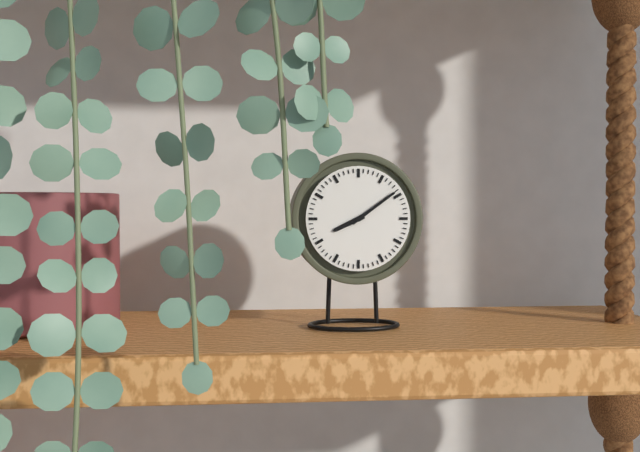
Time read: 8:09
